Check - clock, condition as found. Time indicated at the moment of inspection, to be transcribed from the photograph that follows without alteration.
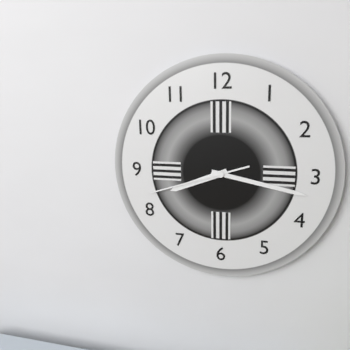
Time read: 8:17:42
